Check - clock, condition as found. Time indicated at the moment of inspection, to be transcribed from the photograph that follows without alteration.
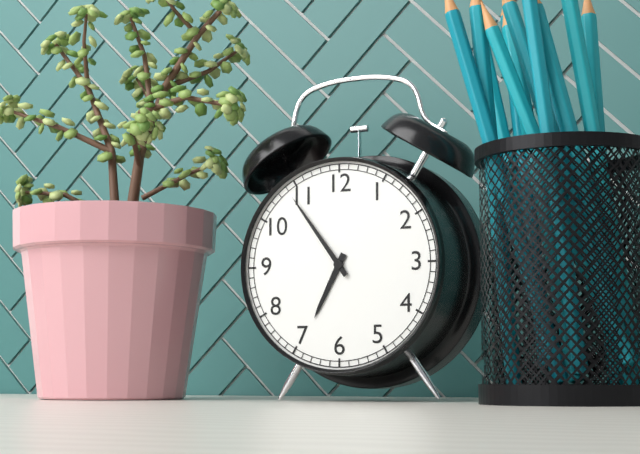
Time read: 6:54
